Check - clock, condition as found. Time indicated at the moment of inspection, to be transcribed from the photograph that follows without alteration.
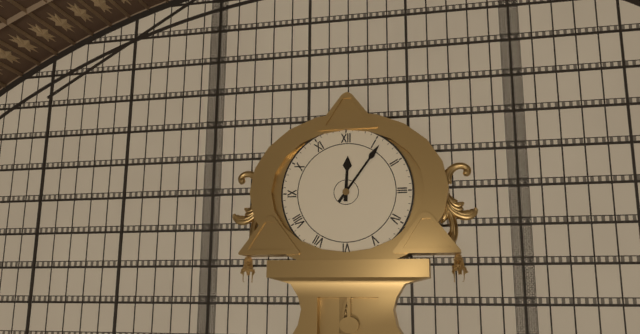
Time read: 12:06
